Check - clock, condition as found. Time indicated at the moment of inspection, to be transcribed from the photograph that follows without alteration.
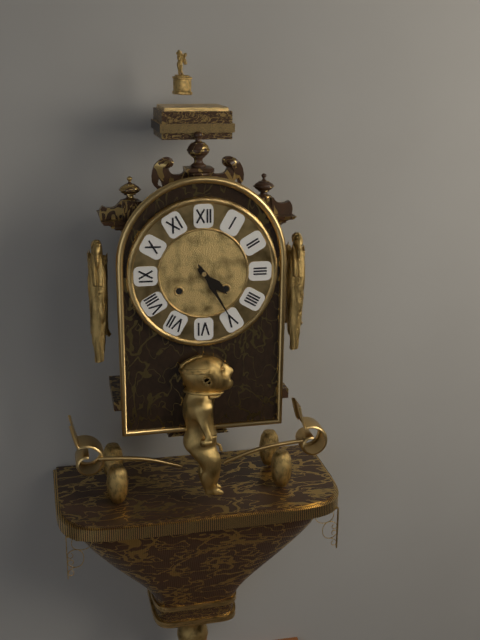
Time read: 4:25
